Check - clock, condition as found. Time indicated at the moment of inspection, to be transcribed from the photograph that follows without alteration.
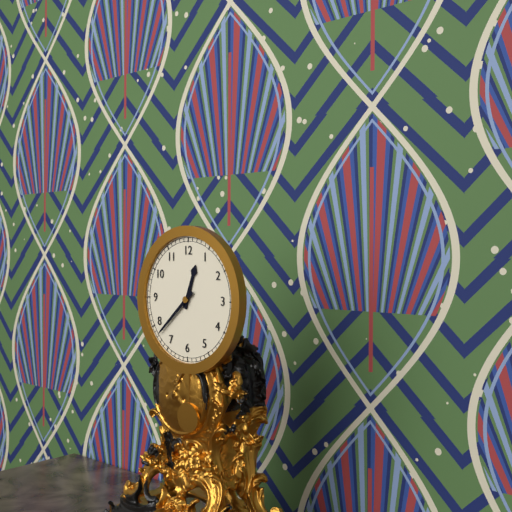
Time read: 12:38
